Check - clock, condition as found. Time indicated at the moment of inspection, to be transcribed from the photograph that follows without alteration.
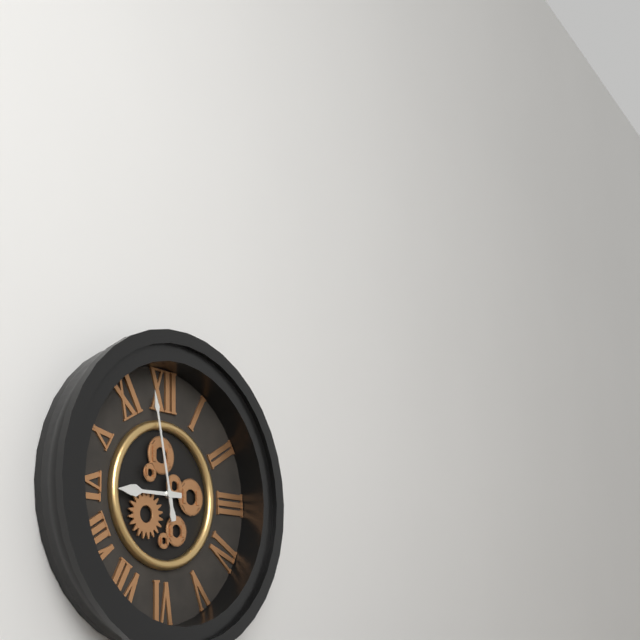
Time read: 8:58
